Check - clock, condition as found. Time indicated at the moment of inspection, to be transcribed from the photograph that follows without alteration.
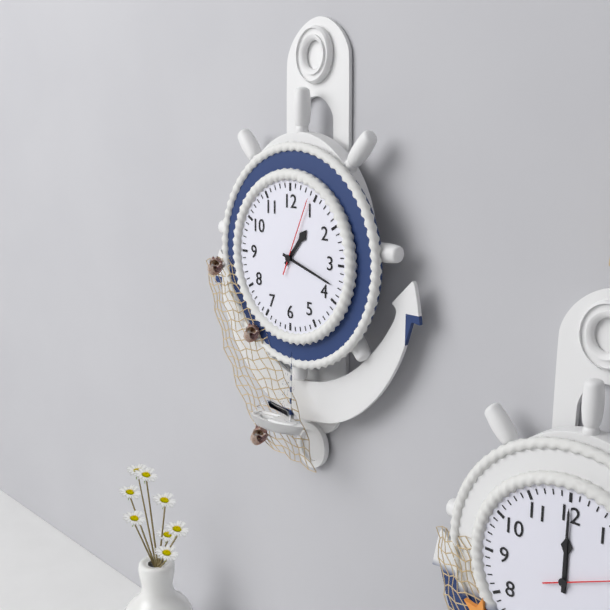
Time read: 1:18:04
